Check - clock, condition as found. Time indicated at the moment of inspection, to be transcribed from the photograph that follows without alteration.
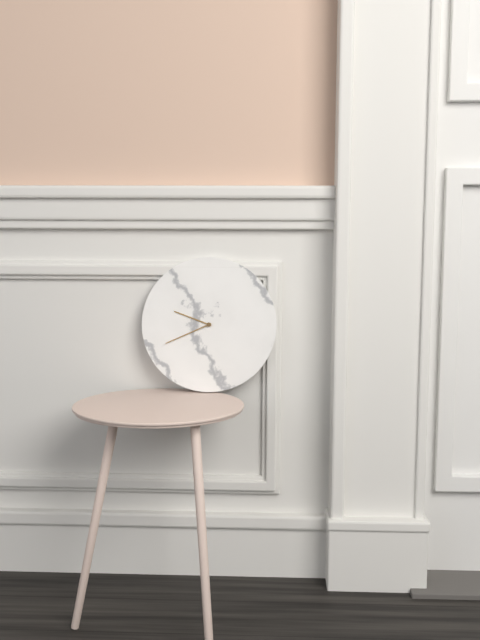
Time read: 9:41
